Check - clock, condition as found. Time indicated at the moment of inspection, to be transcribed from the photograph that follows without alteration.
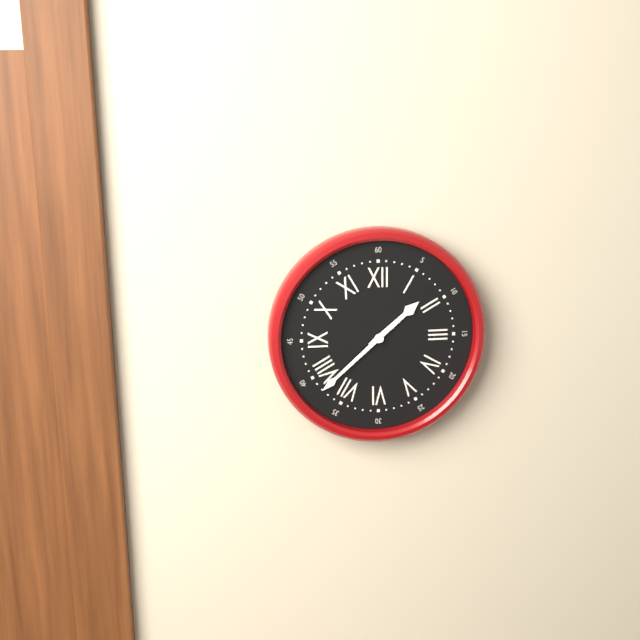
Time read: 1:38
